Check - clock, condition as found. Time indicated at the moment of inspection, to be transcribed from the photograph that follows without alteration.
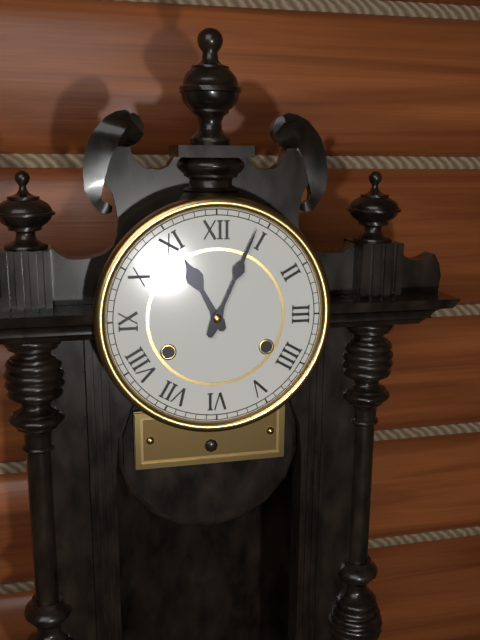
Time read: 11:04
